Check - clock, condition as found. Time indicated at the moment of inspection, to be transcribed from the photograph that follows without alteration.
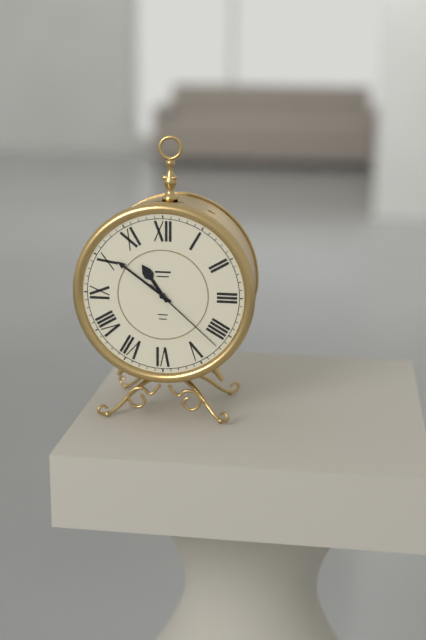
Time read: 10:51:22
